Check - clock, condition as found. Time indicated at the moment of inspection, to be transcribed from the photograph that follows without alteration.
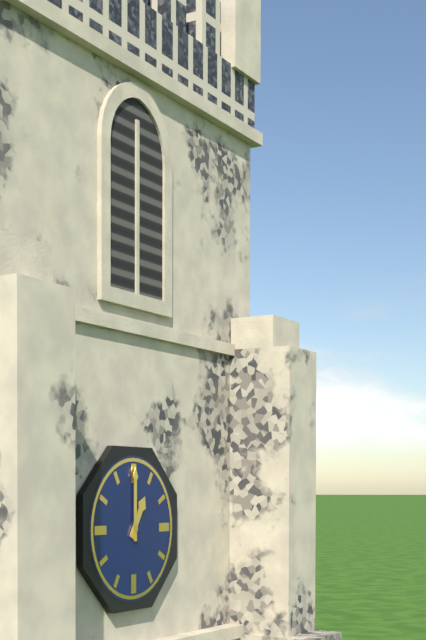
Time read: 1:00
